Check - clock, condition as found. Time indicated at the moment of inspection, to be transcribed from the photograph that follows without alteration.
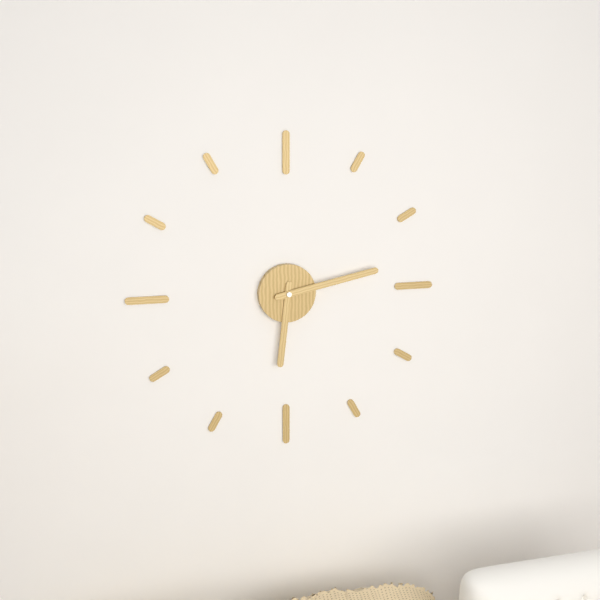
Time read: 6:13
